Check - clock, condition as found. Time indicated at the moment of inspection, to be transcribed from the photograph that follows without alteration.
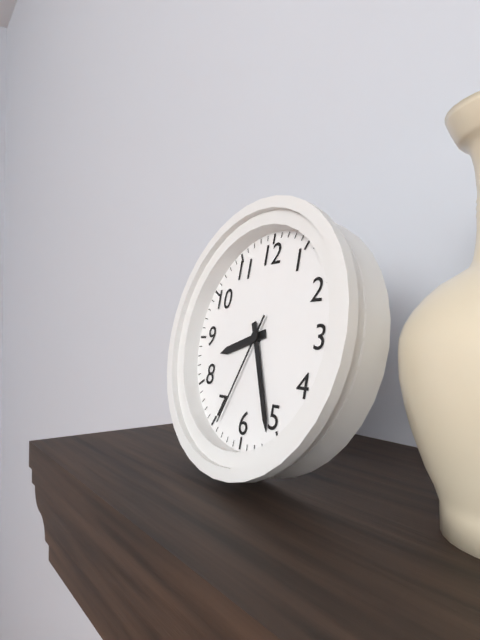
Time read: 8:26:34
